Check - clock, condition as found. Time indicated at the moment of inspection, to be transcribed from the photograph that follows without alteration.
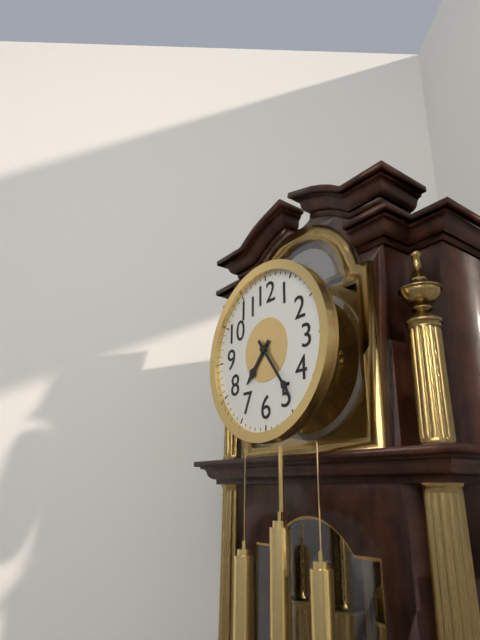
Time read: 7:24
